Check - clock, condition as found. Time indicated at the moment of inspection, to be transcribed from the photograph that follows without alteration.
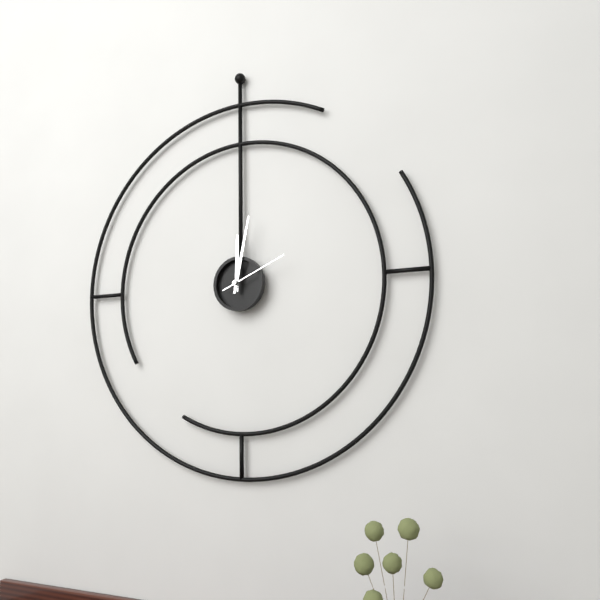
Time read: 12:02:11
